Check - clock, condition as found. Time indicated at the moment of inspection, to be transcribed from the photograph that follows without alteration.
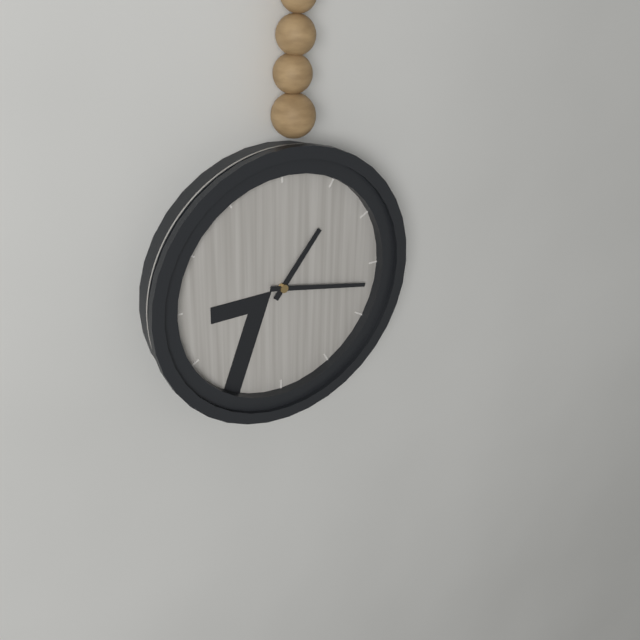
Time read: 1:17
